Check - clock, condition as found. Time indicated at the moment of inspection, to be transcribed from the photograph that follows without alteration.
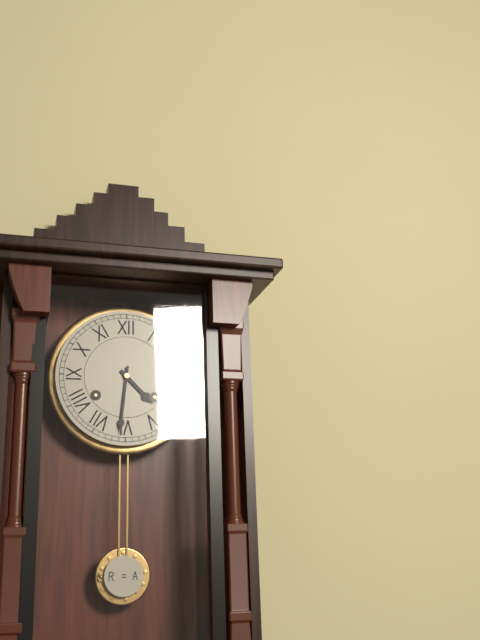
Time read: 4:31
